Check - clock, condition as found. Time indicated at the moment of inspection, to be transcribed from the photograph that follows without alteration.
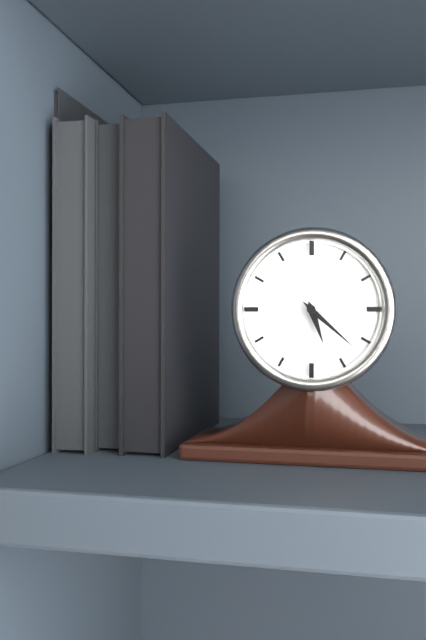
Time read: 5:22
